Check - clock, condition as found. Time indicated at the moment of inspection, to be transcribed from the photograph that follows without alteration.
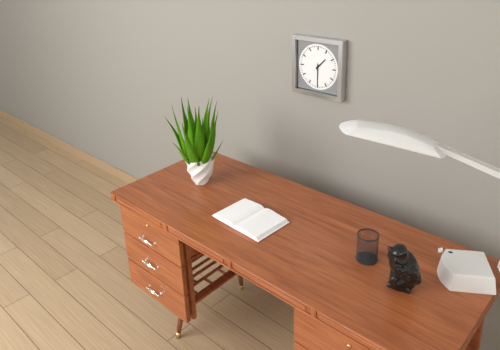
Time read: 1:30
